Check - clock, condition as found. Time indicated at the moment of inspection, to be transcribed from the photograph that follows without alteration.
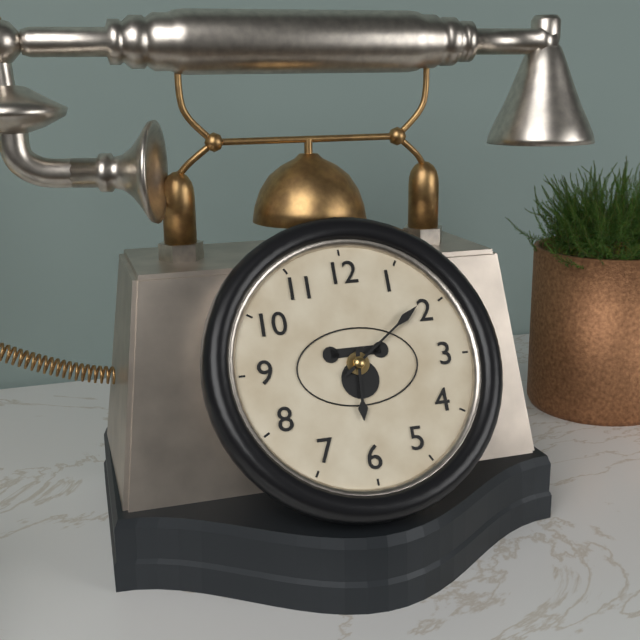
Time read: 6:09
